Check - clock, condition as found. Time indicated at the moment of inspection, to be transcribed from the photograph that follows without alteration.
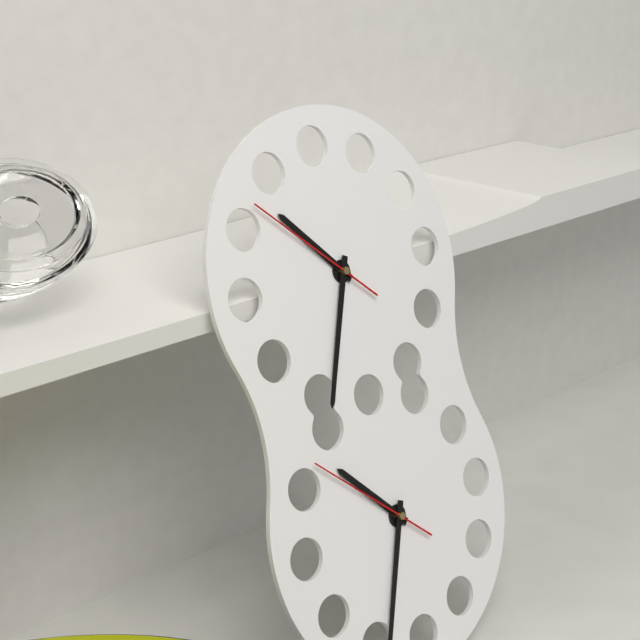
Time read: 10:34:52
